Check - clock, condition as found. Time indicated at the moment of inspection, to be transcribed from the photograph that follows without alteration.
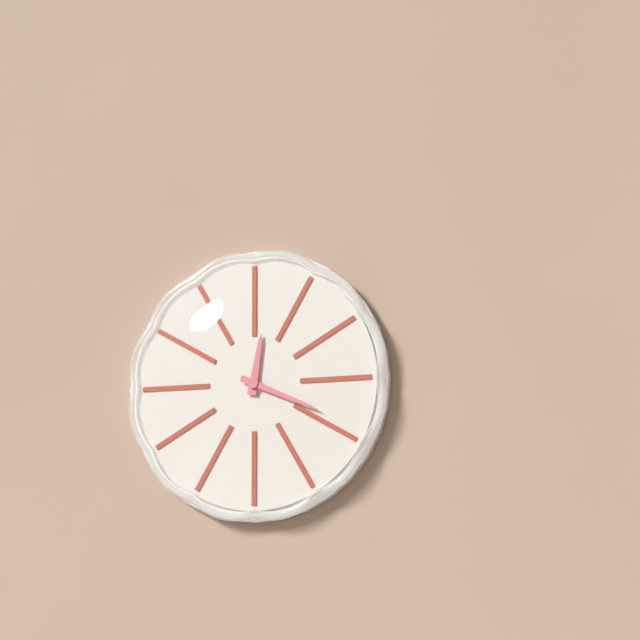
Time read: 12:19
